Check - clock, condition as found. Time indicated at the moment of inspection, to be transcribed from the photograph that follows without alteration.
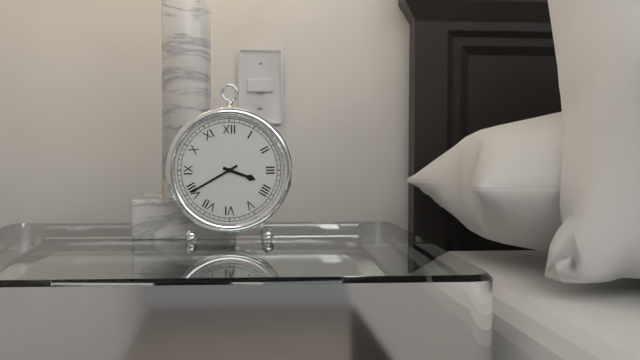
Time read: 3:40
